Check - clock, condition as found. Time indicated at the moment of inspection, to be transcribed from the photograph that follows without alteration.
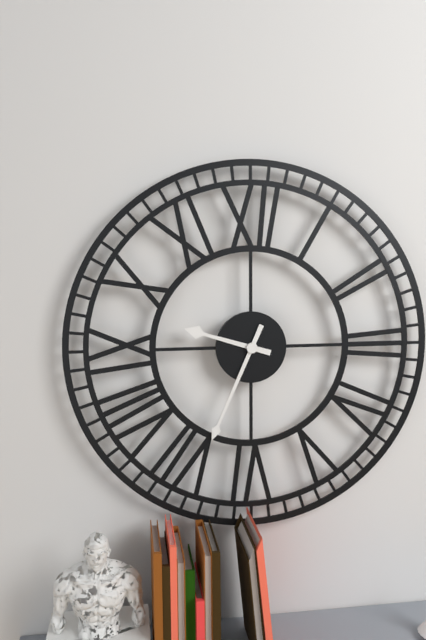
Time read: 9:34
